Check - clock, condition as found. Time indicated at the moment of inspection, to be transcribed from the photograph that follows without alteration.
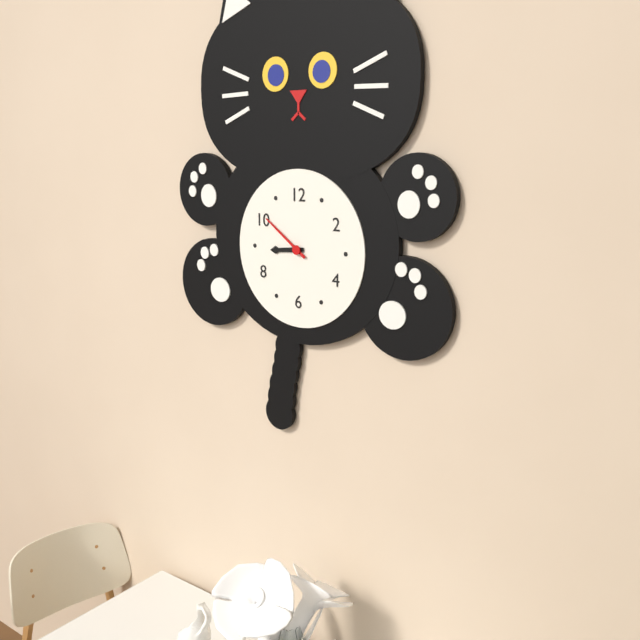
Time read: 8:51
